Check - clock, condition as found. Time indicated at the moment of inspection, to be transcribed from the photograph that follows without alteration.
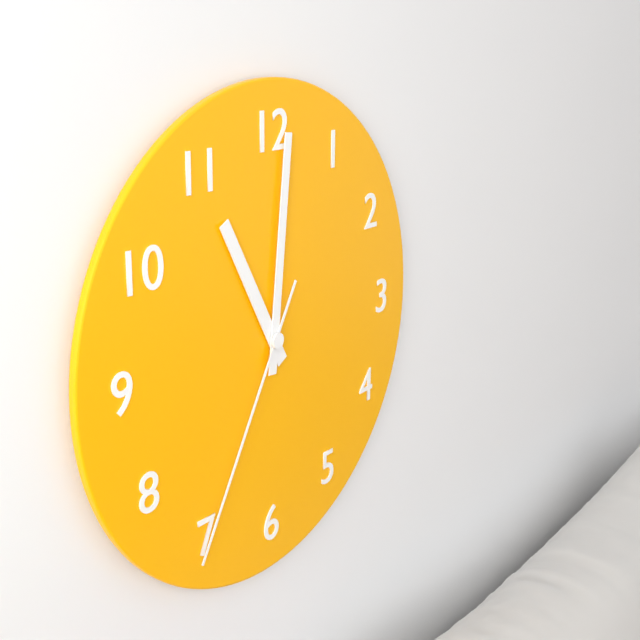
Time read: 11:01:35
